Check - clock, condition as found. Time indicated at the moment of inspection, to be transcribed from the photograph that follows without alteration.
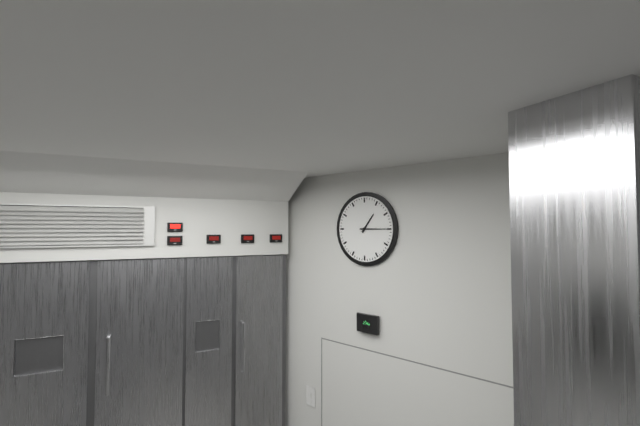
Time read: 1:15
